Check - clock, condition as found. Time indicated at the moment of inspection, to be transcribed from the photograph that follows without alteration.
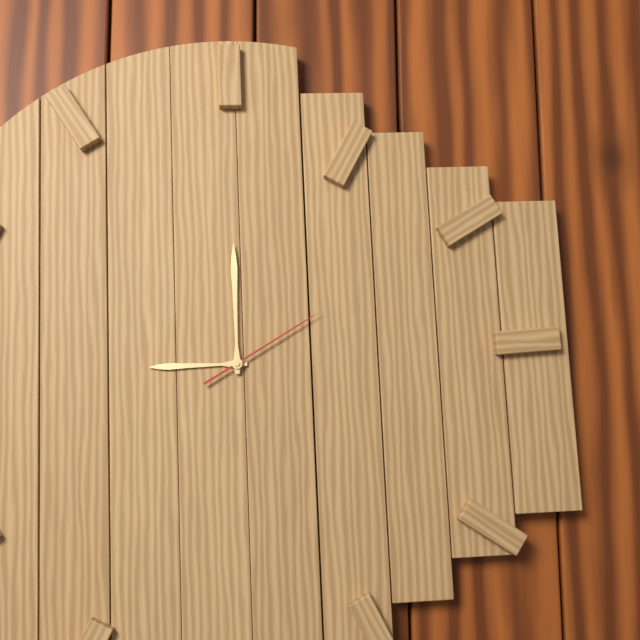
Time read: 9:00:10
